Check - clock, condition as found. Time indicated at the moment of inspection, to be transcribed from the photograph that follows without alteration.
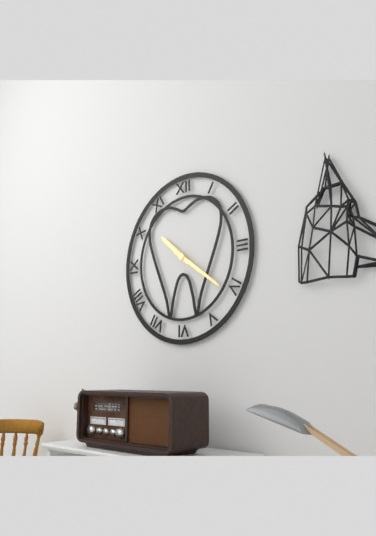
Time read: 10:21
